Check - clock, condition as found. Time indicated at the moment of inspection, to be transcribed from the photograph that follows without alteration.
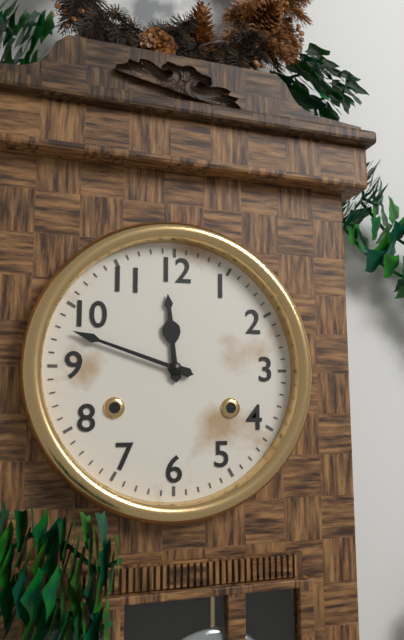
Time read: 11:48
